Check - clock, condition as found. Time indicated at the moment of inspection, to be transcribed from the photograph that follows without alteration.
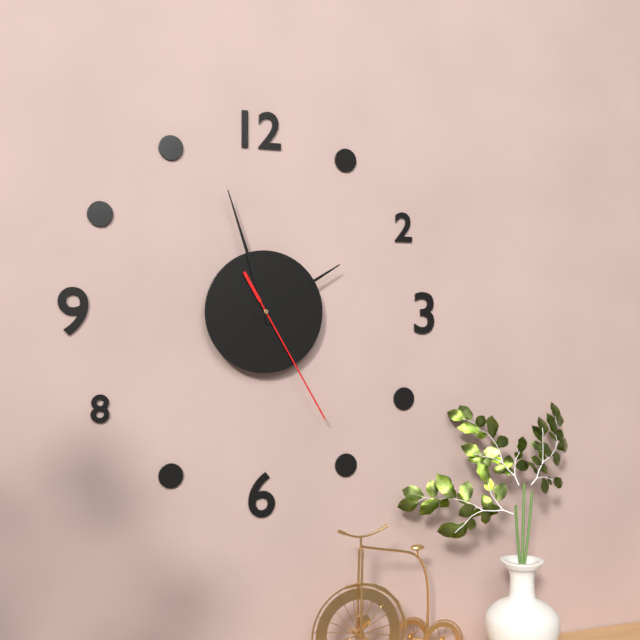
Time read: 1:57:25
